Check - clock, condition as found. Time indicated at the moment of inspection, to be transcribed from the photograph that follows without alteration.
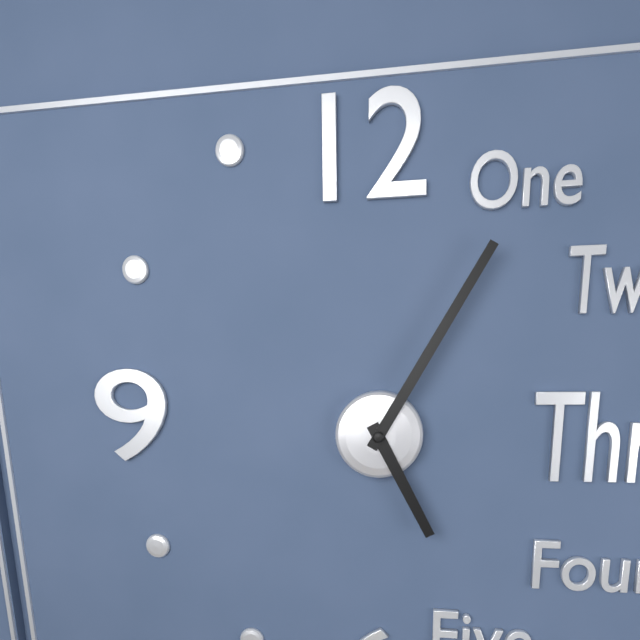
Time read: 5:05
